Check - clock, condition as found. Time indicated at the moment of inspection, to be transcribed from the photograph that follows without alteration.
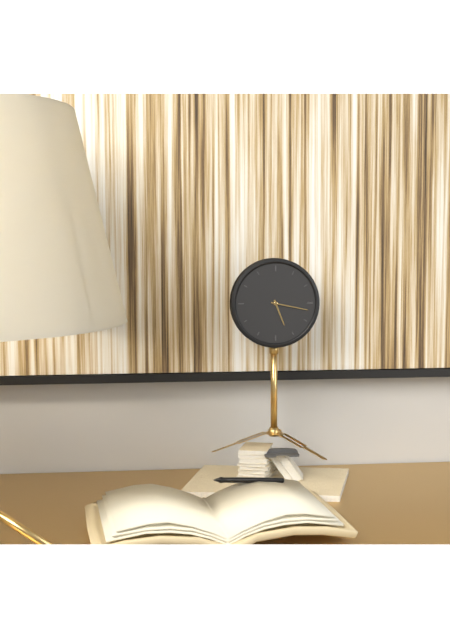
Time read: 5:17
